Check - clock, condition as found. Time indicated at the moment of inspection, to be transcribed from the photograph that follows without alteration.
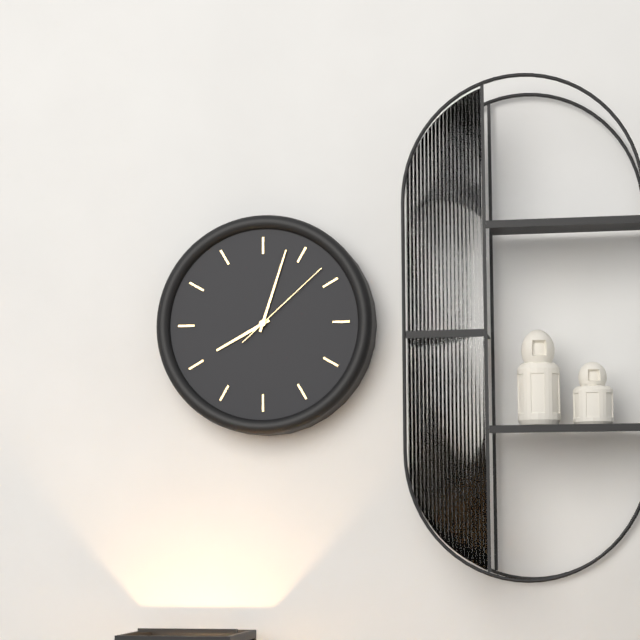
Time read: 8:03:08
